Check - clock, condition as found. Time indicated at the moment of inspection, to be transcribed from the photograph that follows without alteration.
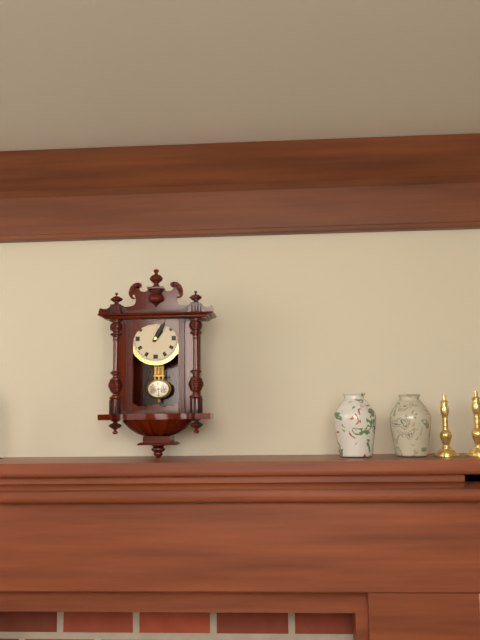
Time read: 1:05
